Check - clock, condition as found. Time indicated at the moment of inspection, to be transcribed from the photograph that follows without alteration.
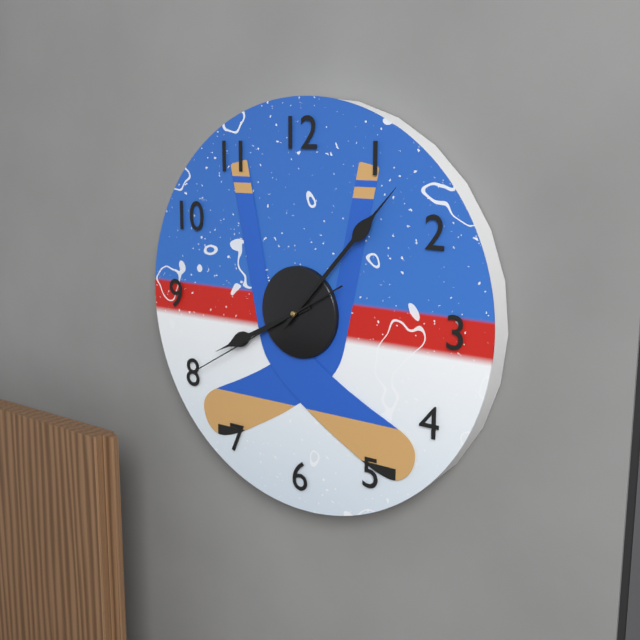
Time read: 8:07:40
